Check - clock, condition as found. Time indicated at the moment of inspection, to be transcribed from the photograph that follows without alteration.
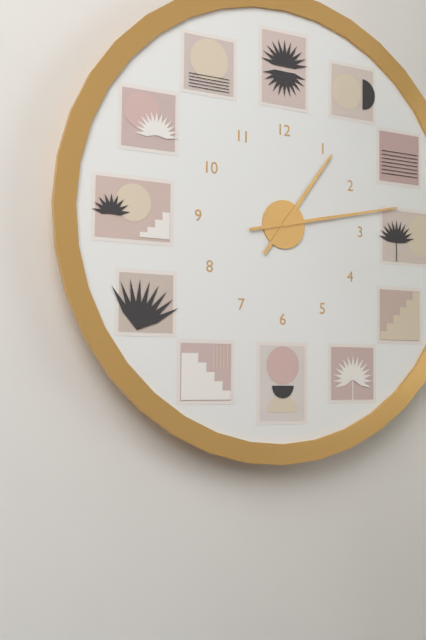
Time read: 1:13
